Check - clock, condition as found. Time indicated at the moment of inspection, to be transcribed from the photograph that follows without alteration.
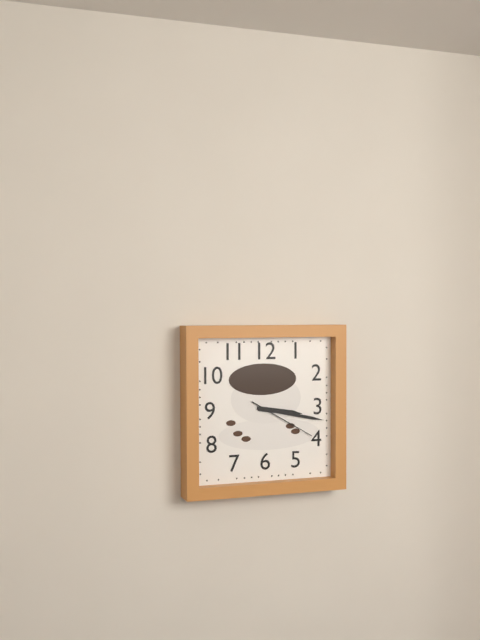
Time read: 3:17:20
